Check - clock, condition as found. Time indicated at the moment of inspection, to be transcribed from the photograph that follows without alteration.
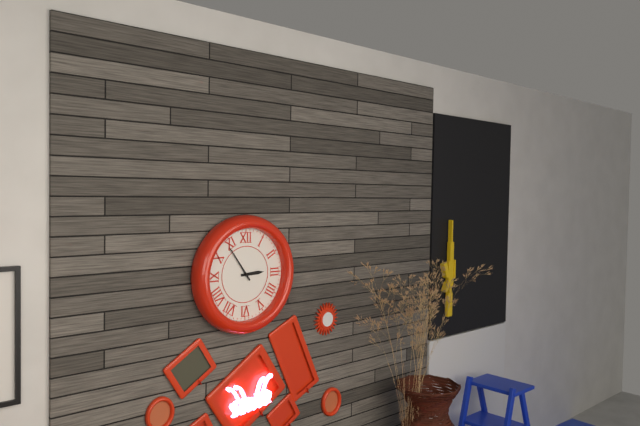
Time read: 2:54
